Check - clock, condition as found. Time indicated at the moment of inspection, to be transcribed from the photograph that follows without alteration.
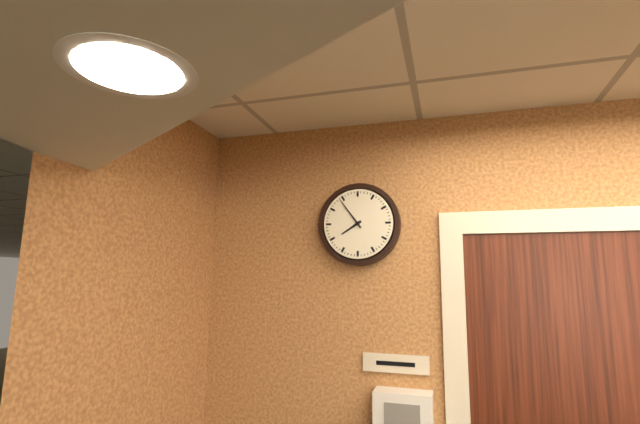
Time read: 7:54
